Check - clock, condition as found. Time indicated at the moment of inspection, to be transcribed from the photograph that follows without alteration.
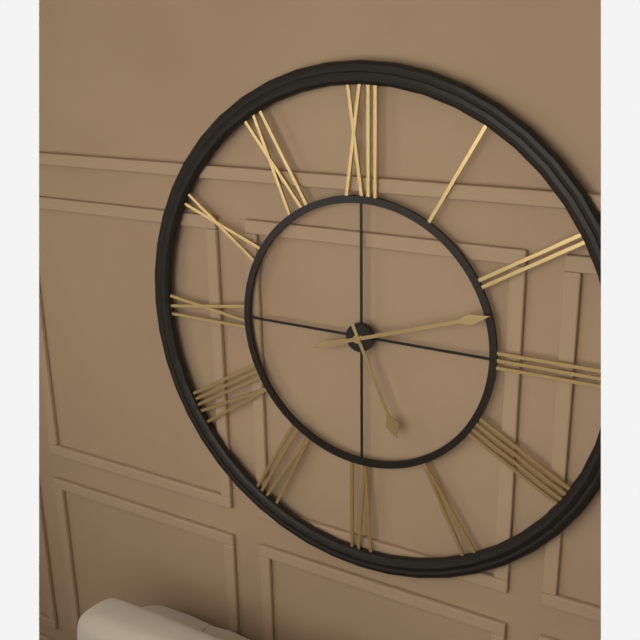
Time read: 5:12
